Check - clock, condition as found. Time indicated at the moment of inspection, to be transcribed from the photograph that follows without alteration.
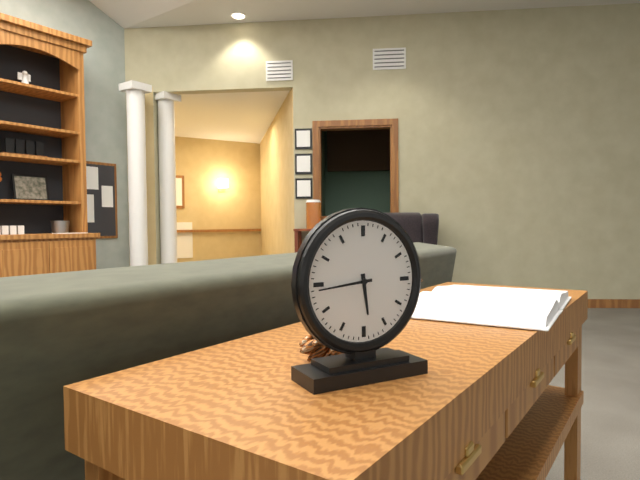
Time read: 5:44
